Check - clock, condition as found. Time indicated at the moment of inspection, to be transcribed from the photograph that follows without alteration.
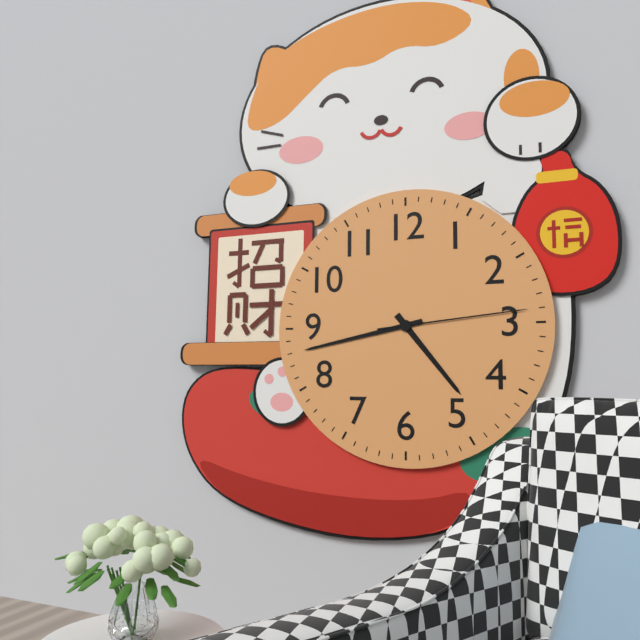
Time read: 4:43:14
